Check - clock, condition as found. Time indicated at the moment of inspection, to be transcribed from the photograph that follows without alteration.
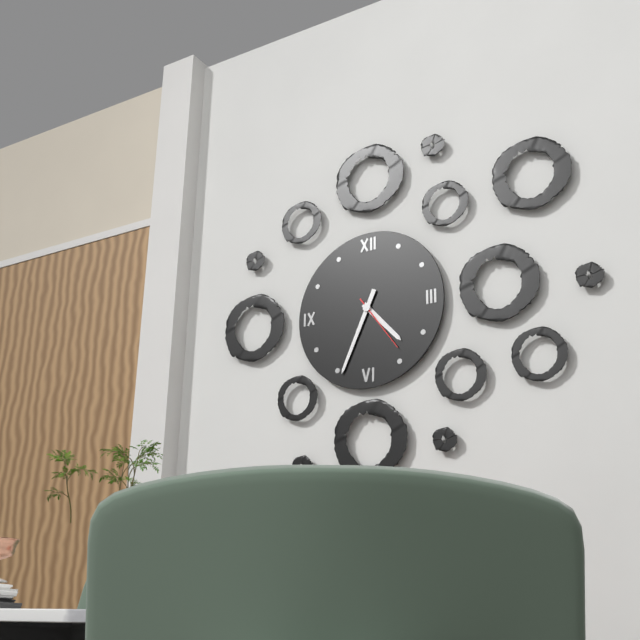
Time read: 4:34:24
